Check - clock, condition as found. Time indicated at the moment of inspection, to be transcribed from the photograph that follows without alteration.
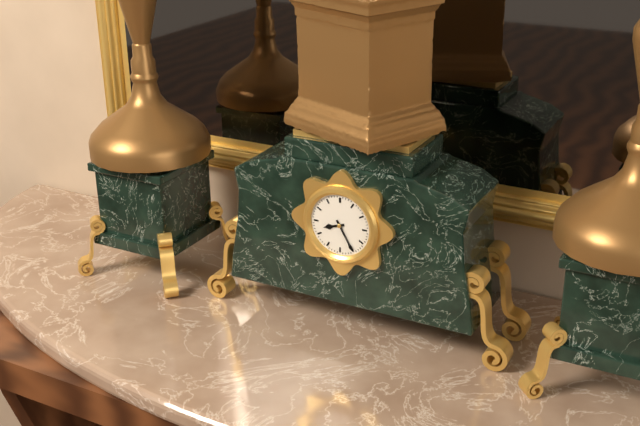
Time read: 8:25
